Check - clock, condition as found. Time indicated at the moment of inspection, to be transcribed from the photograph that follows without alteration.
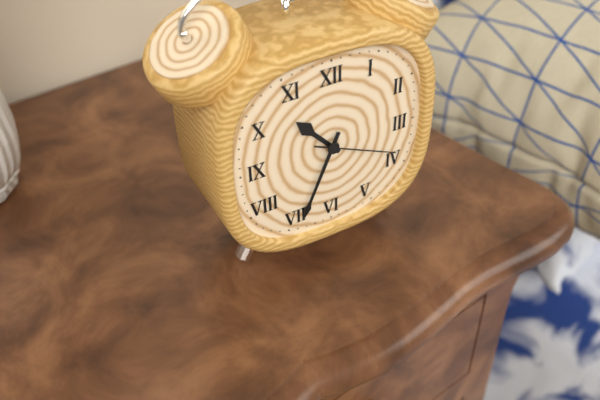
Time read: 10:34:19
